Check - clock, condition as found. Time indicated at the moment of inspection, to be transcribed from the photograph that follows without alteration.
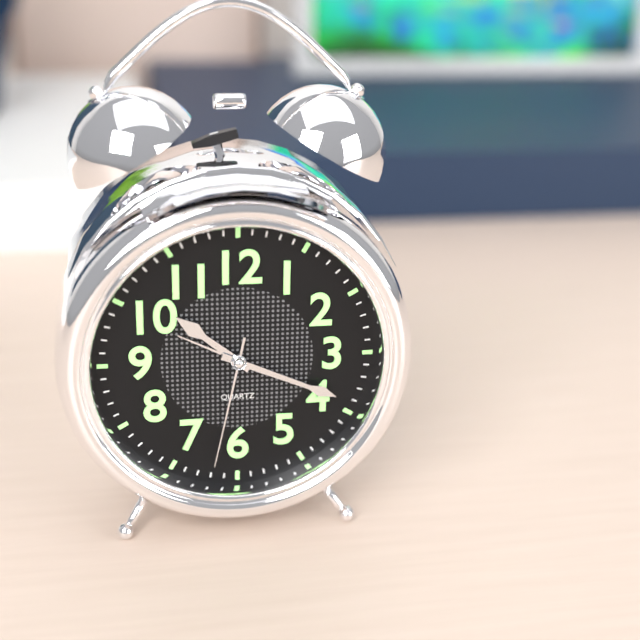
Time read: 10:19:32
